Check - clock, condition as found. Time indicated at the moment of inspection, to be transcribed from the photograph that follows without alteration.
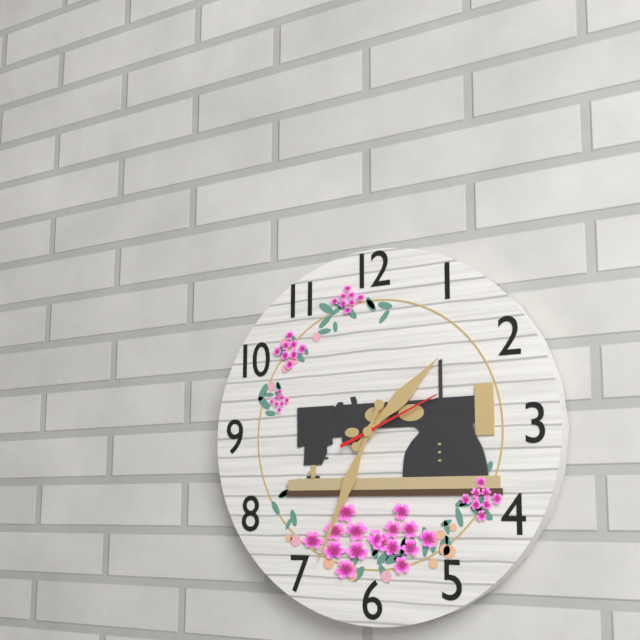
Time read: 1:34:11
